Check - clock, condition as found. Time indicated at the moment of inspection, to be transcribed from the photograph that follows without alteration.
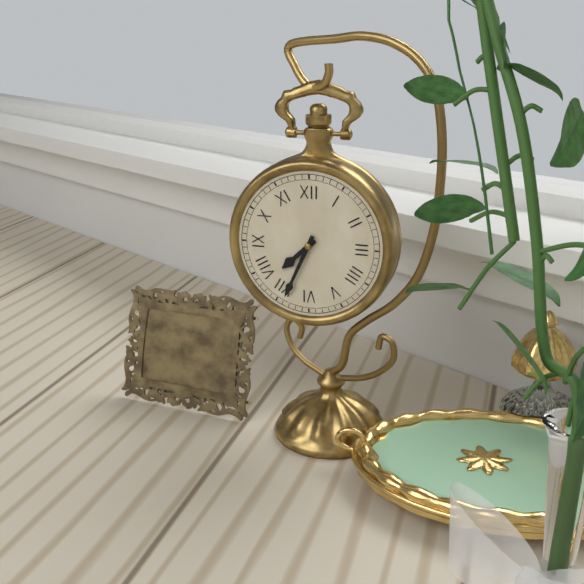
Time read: 7:34
